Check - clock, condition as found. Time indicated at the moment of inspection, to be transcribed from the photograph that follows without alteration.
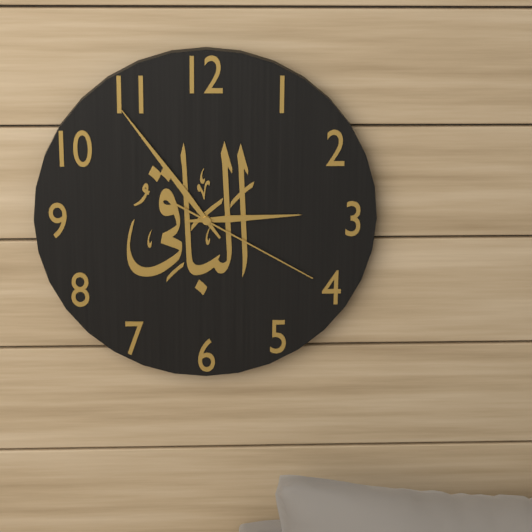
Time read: 2:54:20
